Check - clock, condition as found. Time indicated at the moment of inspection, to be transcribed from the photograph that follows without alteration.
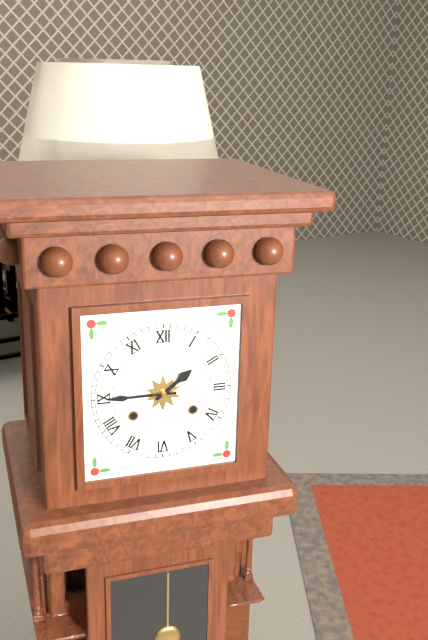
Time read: 1:45
